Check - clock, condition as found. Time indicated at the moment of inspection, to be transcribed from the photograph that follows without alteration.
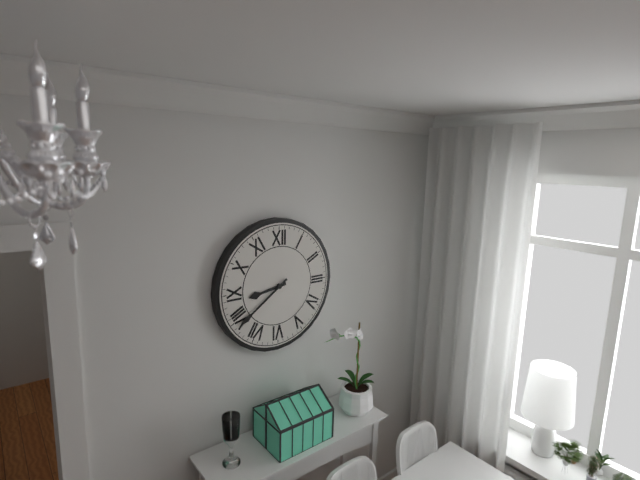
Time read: 8:39
